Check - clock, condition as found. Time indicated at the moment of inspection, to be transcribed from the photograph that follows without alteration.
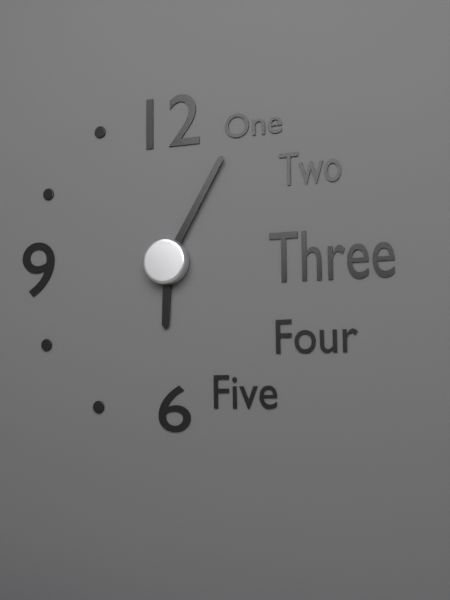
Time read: 6:05
